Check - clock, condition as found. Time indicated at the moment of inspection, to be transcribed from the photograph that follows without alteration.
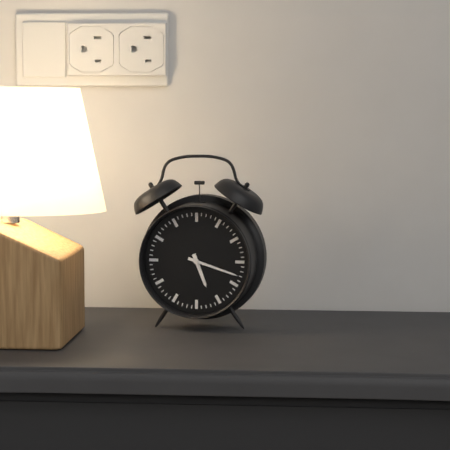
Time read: 5:18
